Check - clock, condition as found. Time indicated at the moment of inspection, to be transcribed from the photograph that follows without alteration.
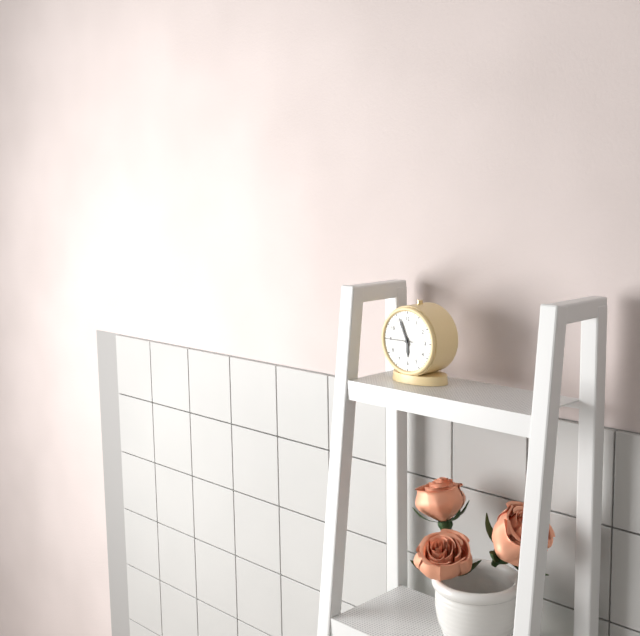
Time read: 5:56
